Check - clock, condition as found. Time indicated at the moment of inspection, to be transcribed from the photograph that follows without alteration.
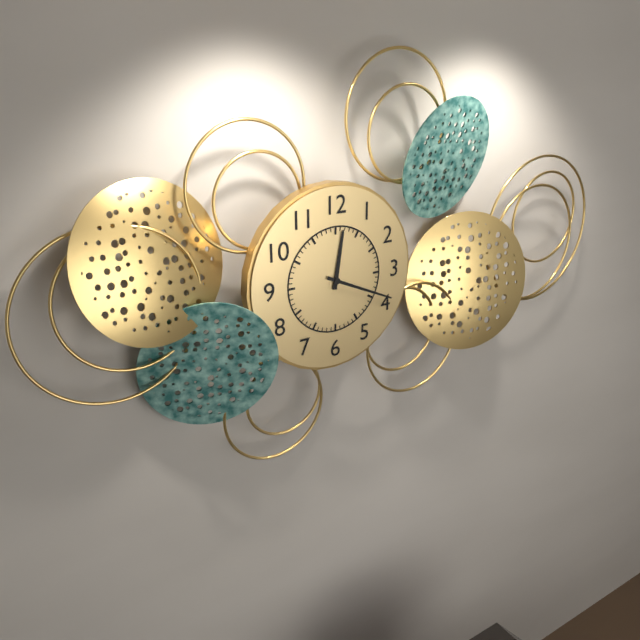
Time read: 12:19
